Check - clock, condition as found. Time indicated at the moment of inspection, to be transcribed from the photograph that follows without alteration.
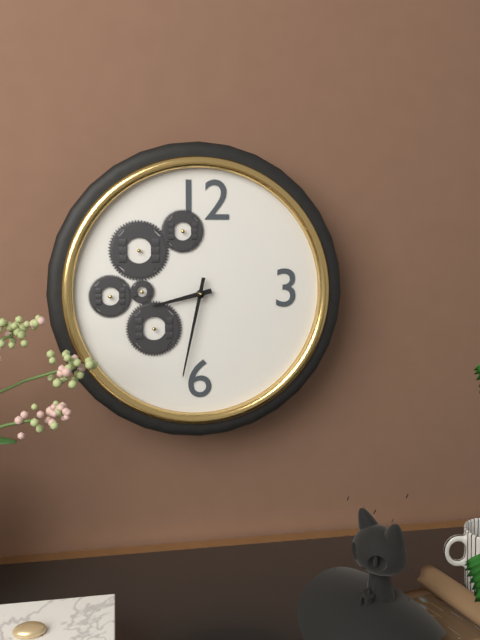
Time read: 8:32
